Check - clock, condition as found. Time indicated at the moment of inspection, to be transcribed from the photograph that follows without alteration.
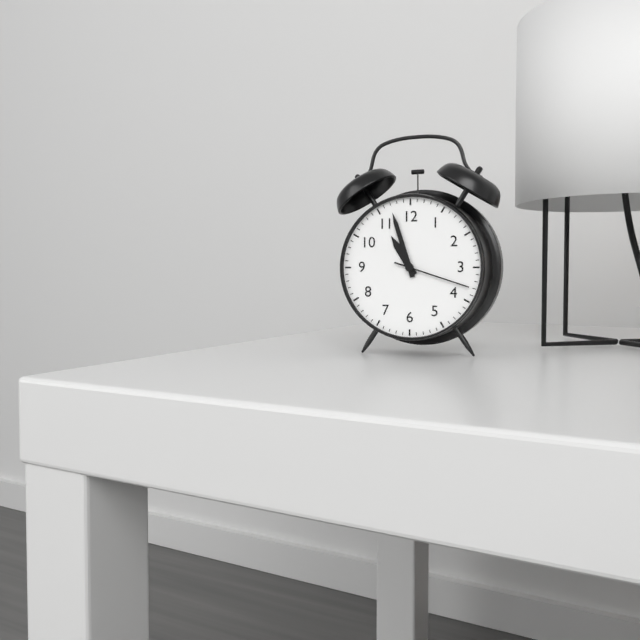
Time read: 10:57:18
